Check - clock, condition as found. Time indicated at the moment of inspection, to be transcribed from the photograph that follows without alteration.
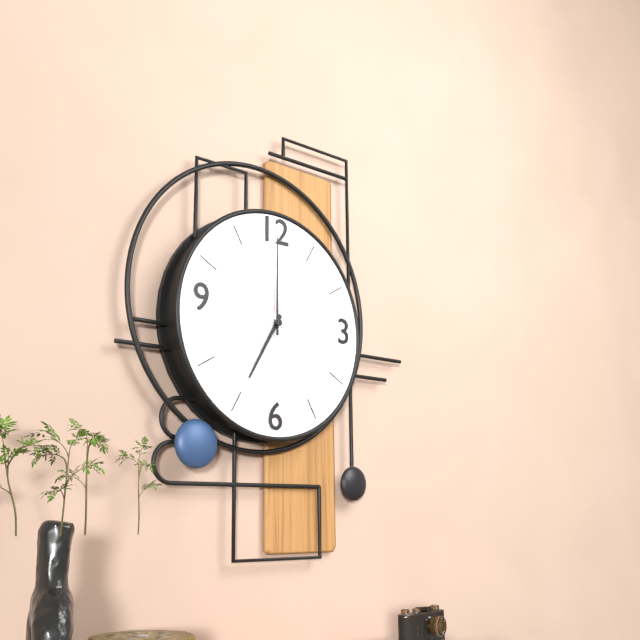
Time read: 7:00:52
